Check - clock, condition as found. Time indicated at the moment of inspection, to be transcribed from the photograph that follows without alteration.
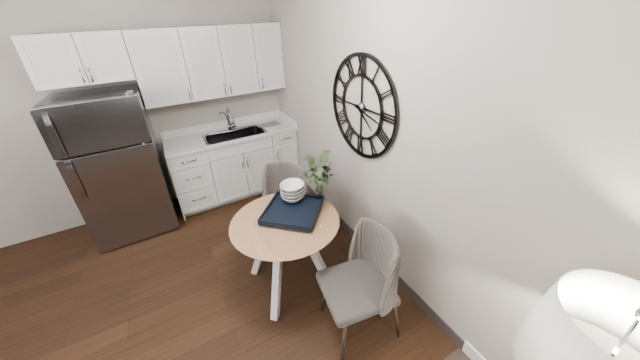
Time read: 4:17
